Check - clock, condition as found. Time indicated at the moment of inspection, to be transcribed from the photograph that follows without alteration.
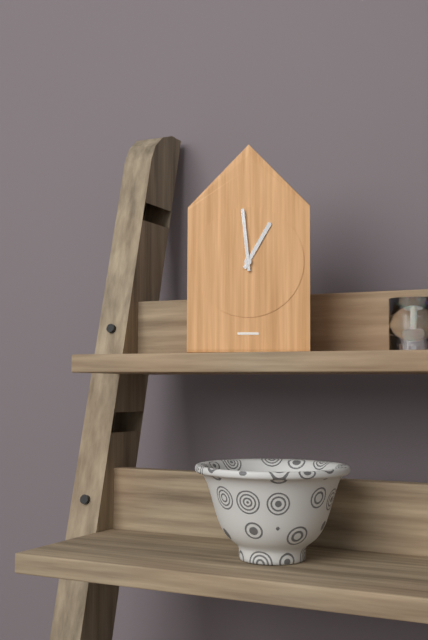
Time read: 12:59
